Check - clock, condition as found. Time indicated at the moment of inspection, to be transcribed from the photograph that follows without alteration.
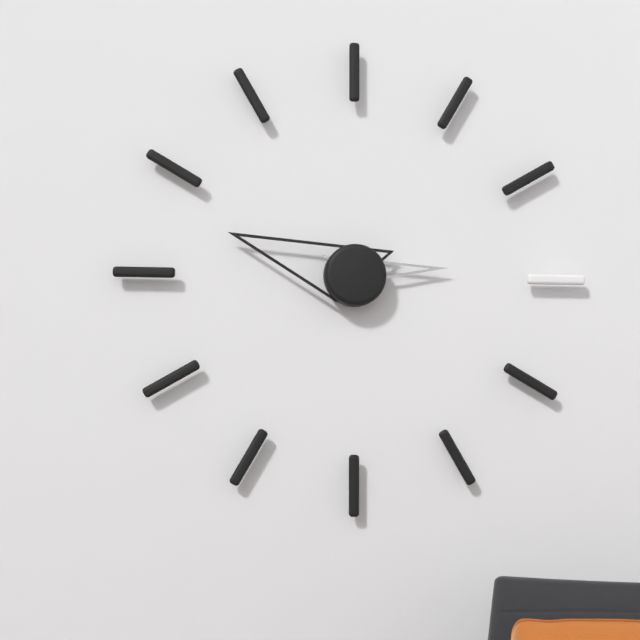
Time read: 2:48
